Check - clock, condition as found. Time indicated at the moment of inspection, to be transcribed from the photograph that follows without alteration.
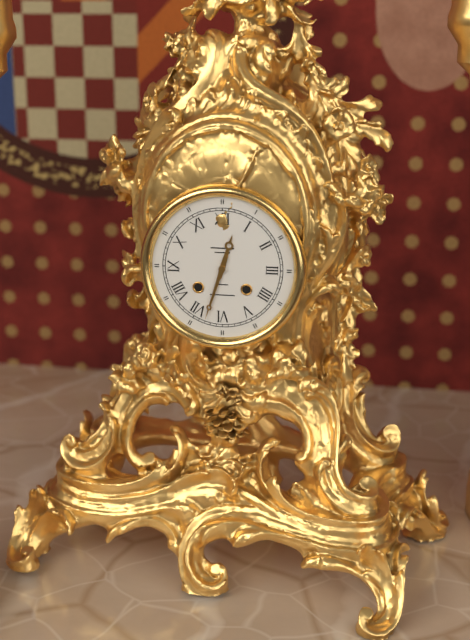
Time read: 12:33
